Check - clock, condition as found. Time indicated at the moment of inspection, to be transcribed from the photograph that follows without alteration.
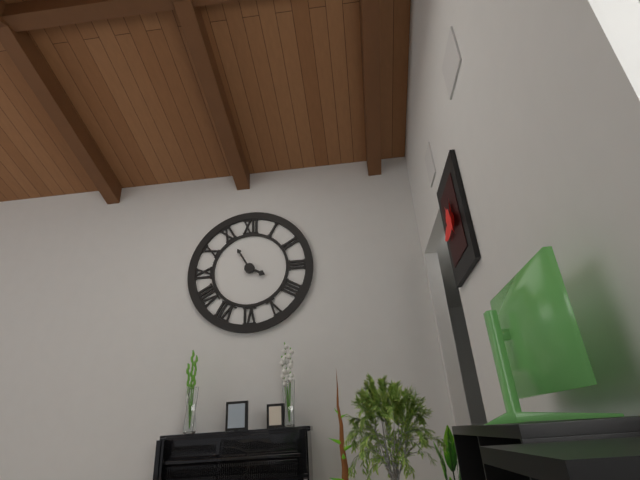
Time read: 3:55
